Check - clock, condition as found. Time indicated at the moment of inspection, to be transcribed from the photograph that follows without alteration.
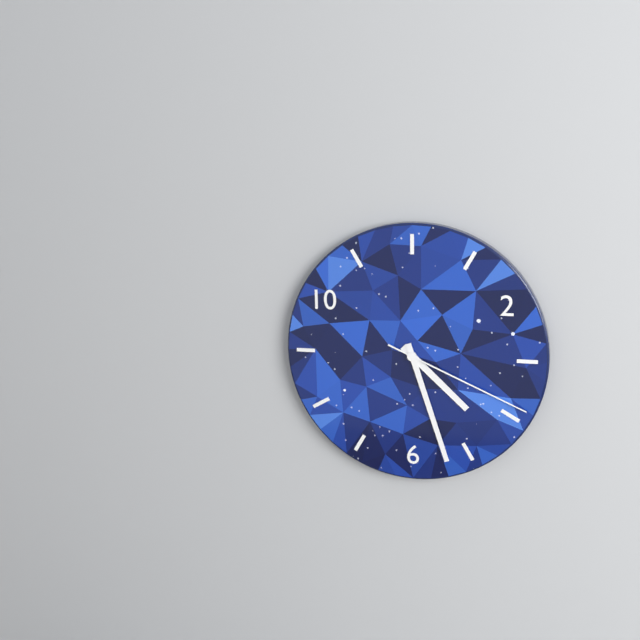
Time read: 4:27:19
